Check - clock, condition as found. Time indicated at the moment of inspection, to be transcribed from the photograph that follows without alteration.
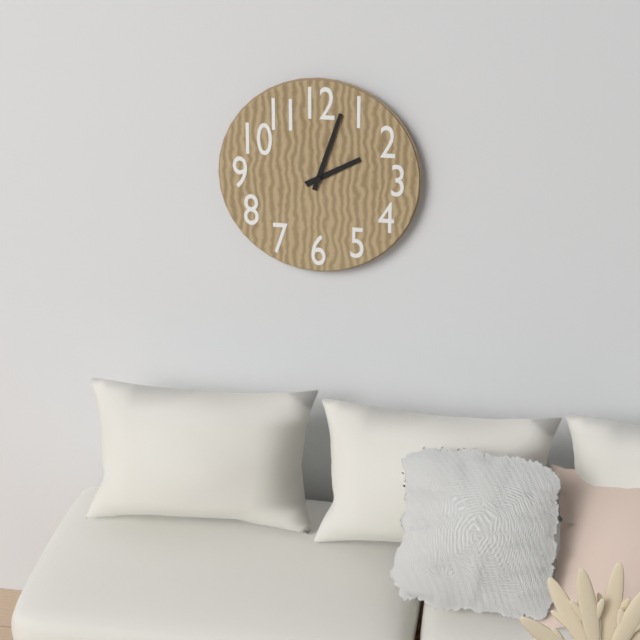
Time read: 2:03
